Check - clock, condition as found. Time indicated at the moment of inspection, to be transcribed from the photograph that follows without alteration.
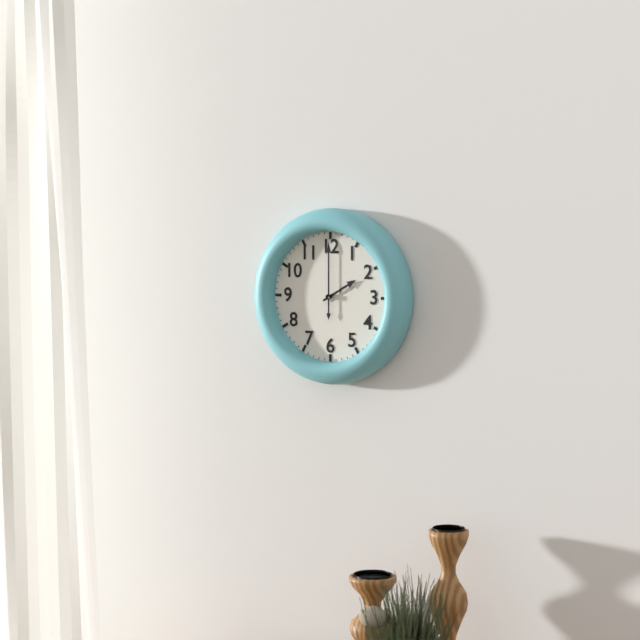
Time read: 2:00
